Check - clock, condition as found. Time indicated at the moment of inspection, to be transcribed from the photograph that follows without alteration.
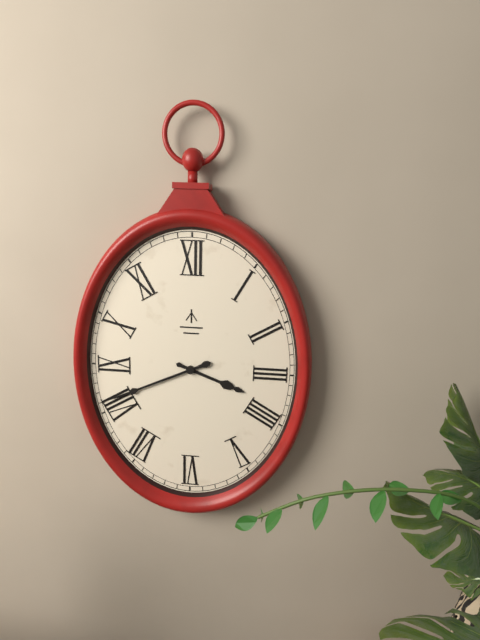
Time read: 3:41
